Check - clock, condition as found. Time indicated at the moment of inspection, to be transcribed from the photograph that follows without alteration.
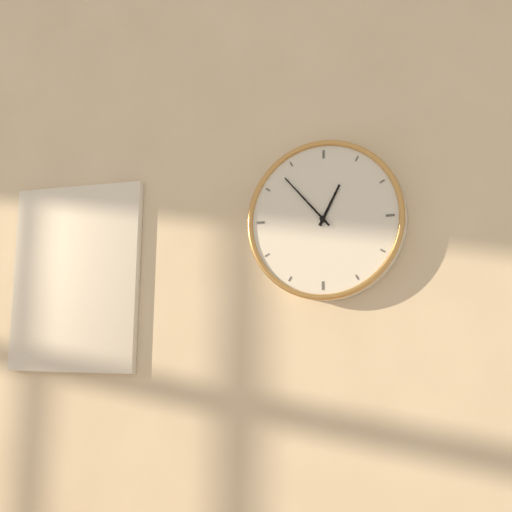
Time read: 12:53
